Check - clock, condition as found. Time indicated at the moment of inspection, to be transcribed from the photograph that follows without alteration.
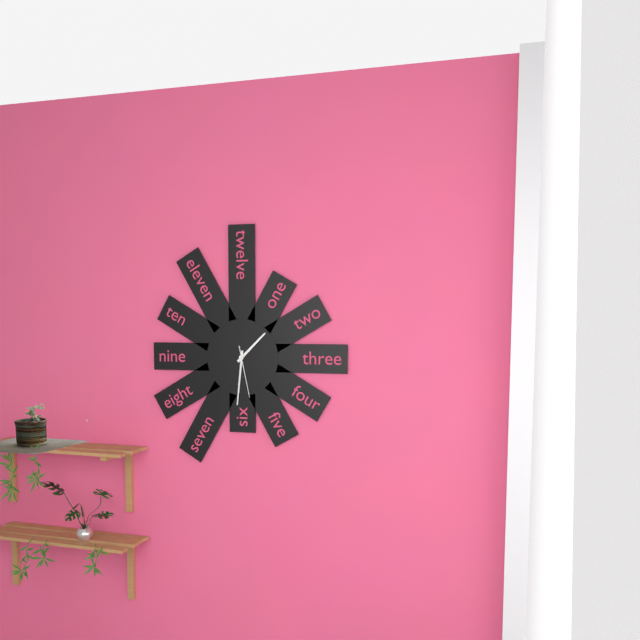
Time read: 1:31:28
